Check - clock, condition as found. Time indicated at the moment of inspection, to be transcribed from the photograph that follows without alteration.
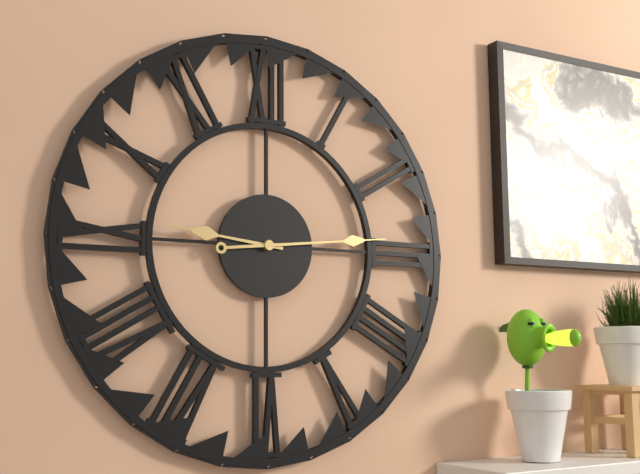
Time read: 9:14
